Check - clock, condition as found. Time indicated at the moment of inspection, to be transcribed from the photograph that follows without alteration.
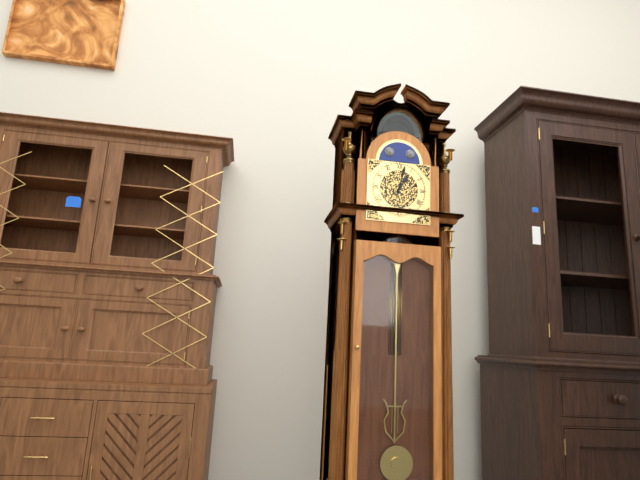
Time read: 1:02
